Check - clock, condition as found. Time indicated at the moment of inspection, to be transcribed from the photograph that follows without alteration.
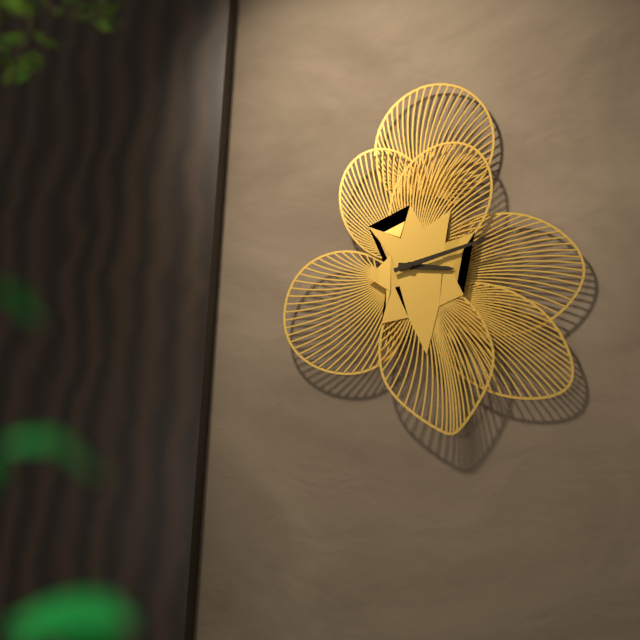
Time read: 3:12
